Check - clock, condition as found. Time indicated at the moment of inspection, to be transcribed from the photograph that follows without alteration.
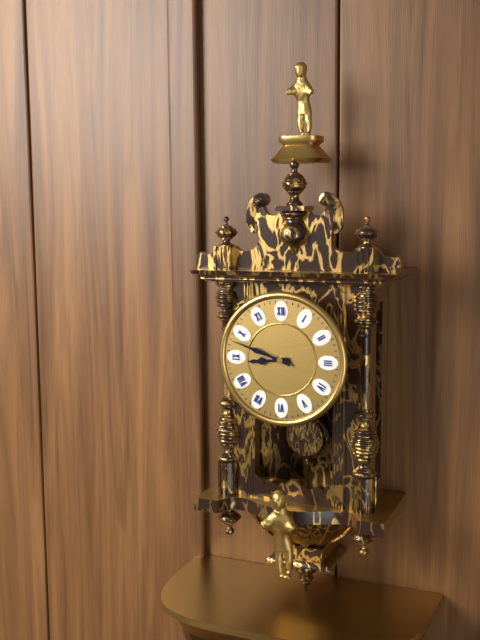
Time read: 8:48
